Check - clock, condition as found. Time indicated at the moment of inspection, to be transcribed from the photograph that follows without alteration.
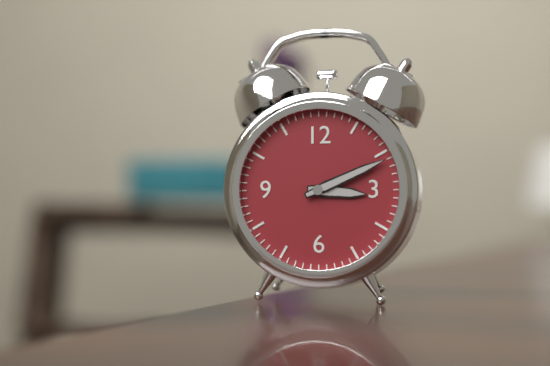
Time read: 3:11
